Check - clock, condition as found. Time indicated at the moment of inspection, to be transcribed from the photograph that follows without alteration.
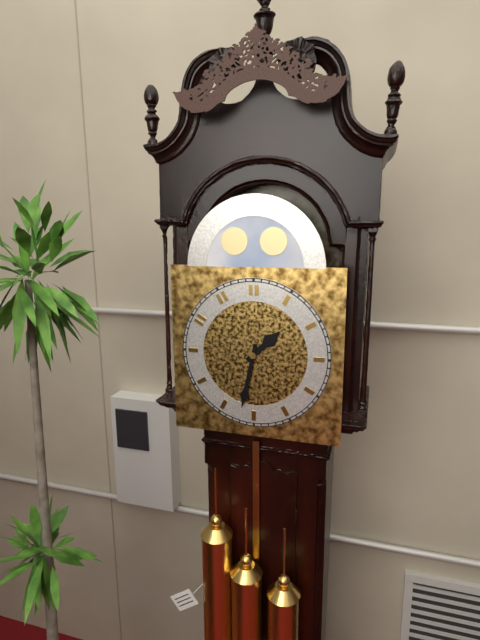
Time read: 1:32
